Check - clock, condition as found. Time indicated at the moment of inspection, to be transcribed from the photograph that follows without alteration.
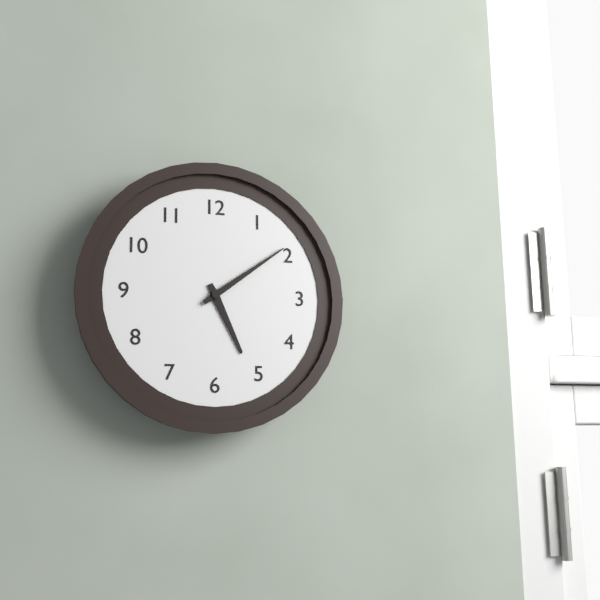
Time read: 5:09
